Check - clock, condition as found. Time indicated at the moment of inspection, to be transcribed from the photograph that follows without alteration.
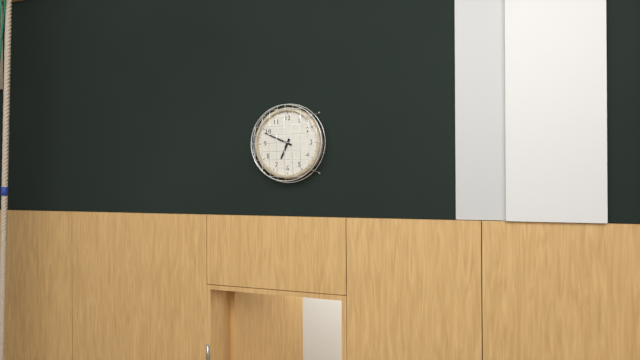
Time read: 6:49
